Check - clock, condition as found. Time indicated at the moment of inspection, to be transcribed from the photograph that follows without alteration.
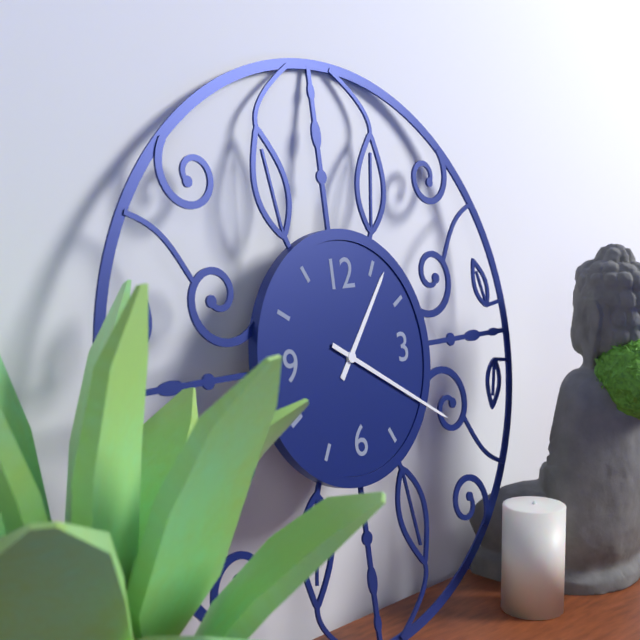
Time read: 1:20
